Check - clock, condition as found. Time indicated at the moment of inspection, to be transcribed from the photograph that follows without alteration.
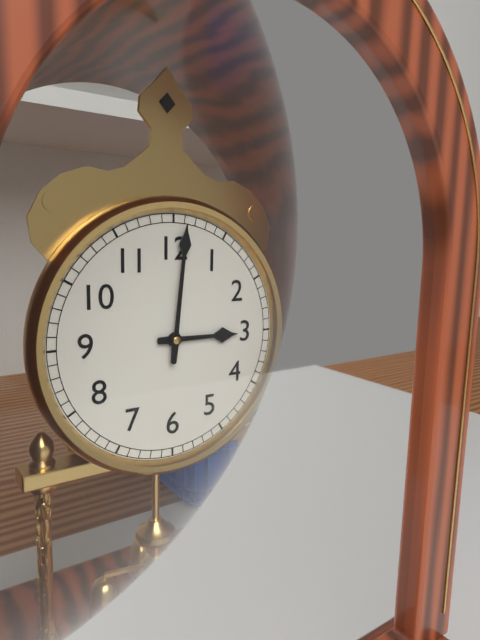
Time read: 3:01
